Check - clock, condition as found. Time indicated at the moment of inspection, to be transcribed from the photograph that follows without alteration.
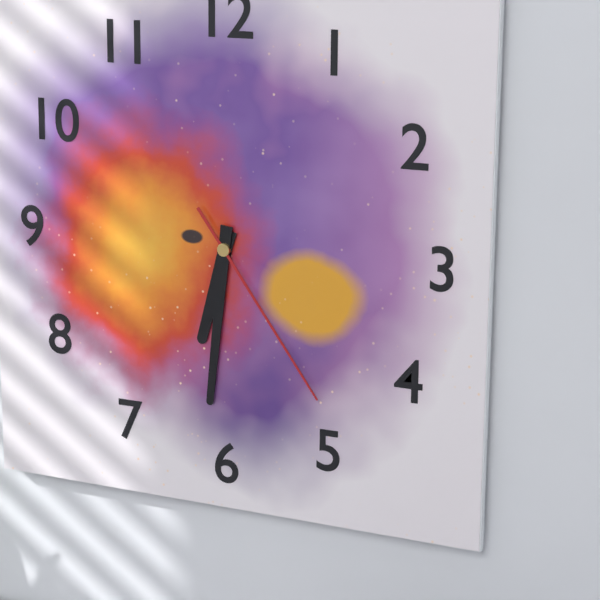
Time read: 6:31:24
